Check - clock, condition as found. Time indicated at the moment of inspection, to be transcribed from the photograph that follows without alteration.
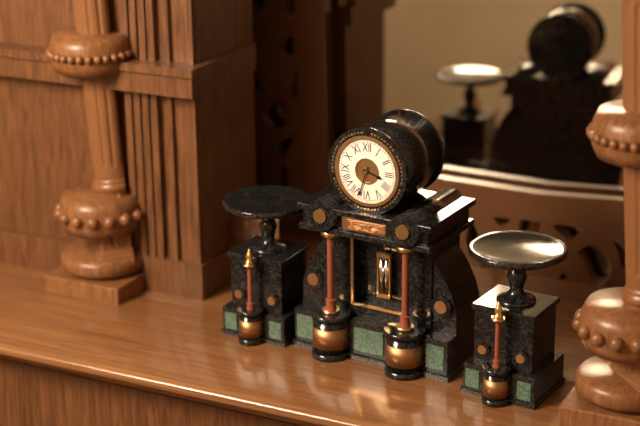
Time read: 3:33
